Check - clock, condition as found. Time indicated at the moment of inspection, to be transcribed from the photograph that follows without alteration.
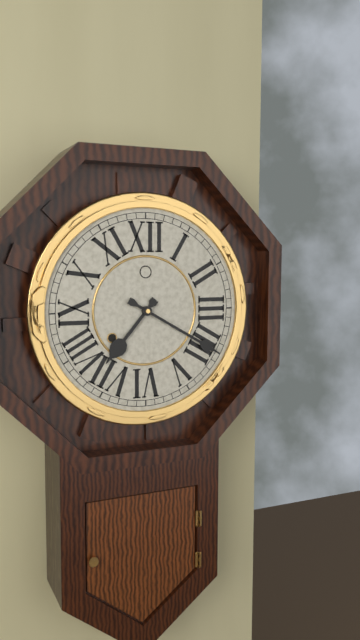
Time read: 7:20
